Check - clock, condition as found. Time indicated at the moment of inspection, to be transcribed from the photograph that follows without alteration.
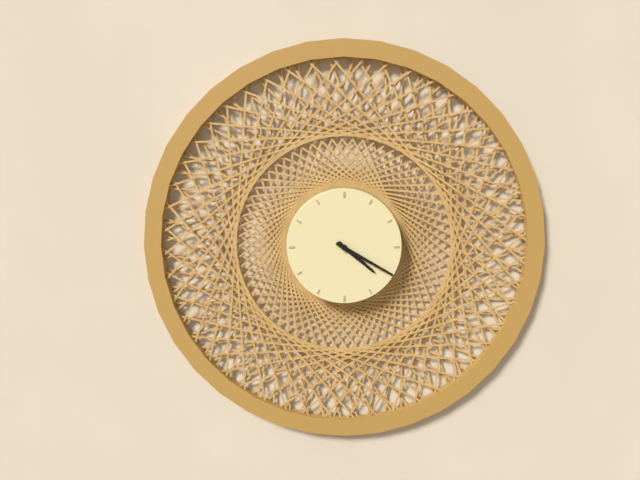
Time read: 4:20
